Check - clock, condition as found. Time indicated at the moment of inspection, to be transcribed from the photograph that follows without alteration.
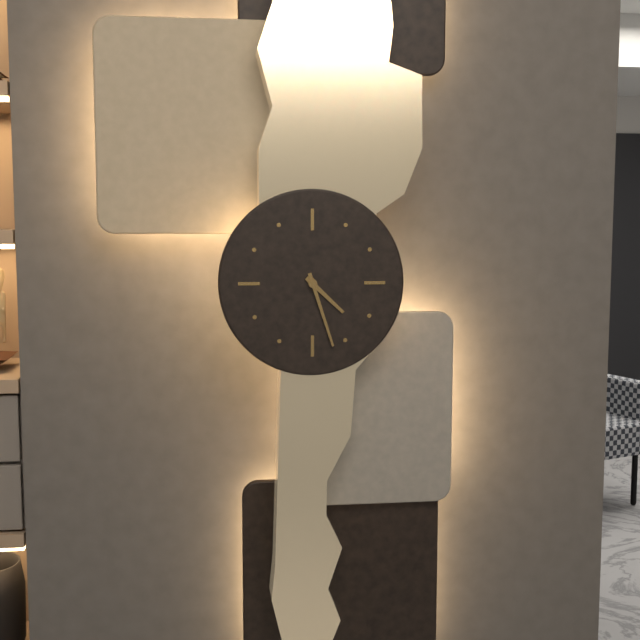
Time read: 4:27
